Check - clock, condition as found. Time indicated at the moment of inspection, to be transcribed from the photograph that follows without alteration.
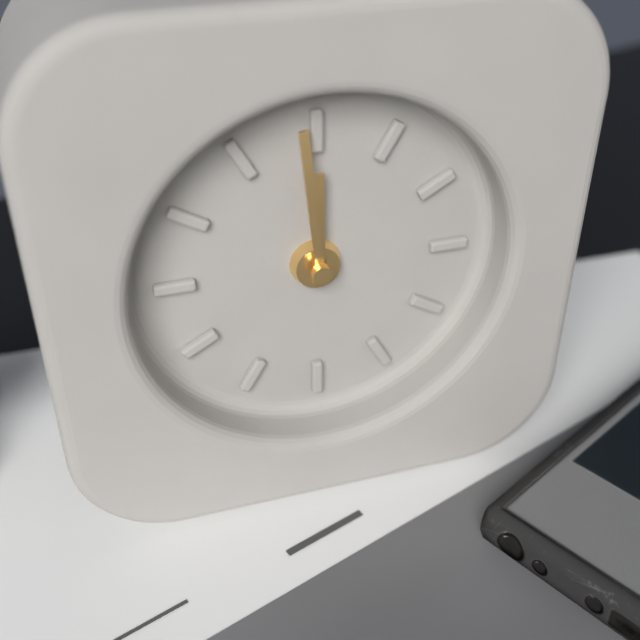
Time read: 11:59
